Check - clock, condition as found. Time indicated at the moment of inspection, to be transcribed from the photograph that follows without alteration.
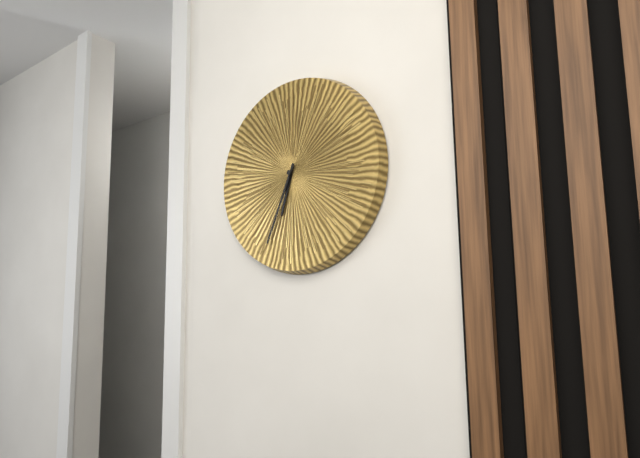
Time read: 6:34
